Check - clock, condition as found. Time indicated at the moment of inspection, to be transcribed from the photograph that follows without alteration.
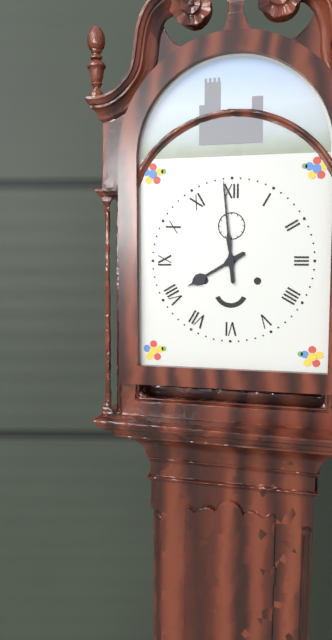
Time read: 7:59
